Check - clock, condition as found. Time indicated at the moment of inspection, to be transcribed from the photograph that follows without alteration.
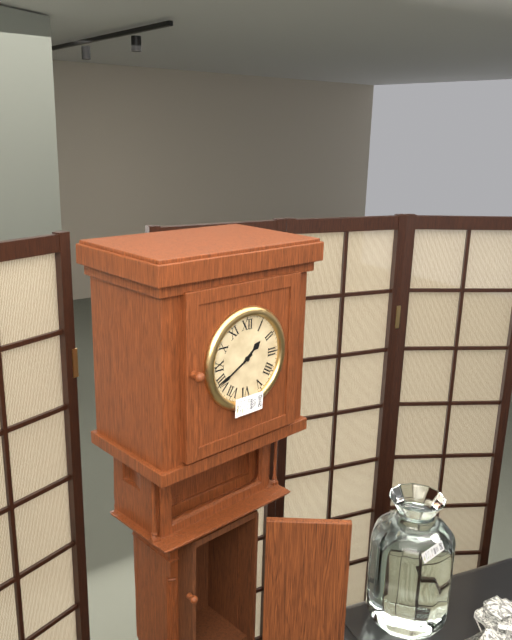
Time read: 1:40
